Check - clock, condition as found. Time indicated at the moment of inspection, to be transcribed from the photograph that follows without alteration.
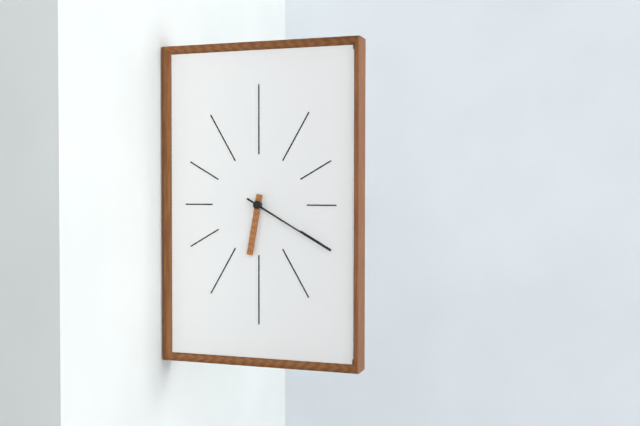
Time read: 6:20
